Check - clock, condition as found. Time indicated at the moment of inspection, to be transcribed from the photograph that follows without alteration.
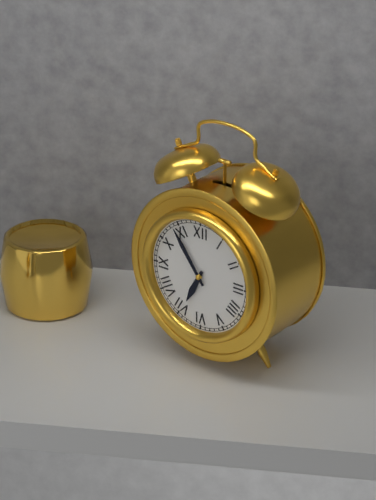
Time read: 6:54
